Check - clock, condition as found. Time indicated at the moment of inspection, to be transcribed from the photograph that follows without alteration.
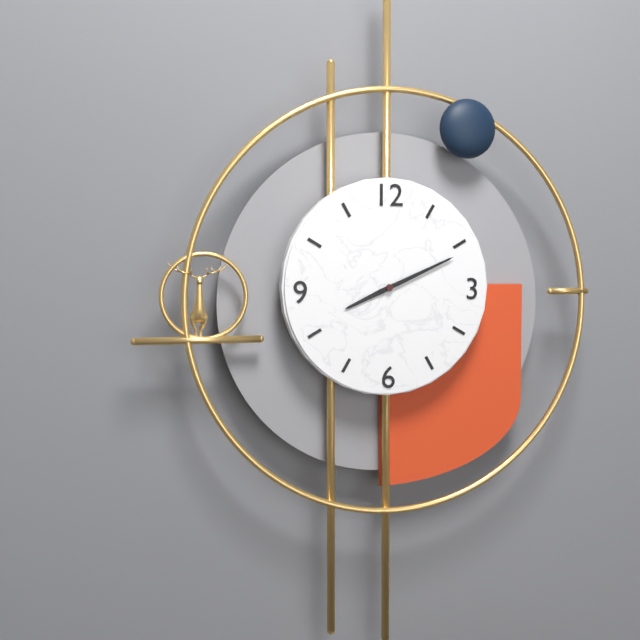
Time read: 8:11
